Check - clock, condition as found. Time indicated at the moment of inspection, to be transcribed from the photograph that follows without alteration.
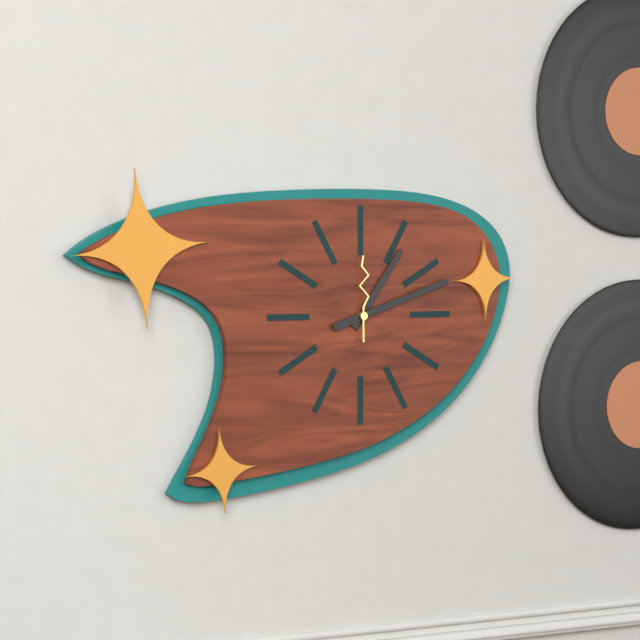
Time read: 1:12:00
